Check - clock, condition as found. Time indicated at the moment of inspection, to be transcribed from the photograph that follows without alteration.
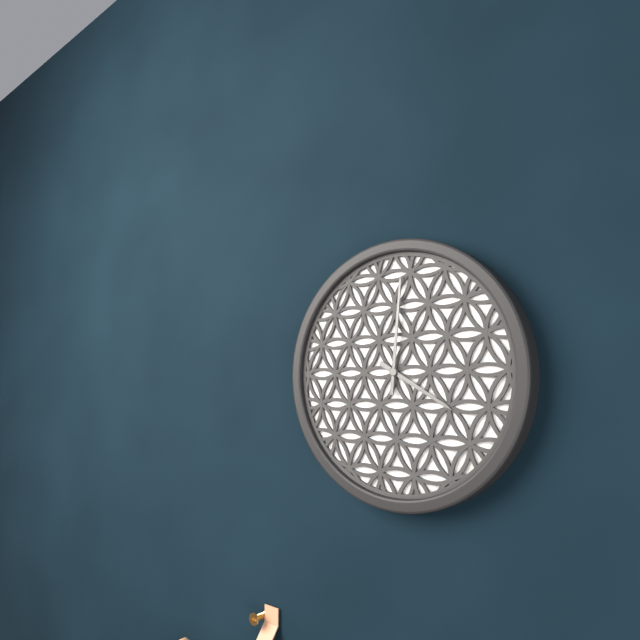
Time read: 4:01
